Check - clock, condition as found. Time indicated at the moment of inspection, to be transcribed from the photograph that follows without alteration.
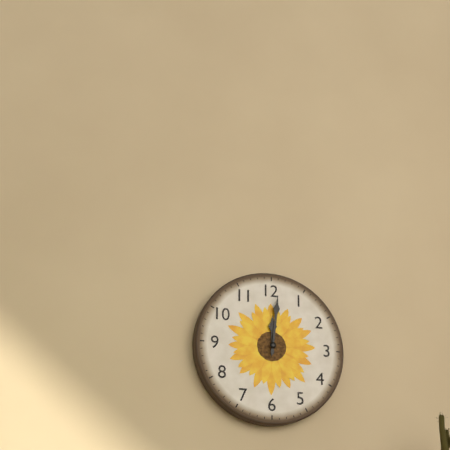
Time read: 12:01
